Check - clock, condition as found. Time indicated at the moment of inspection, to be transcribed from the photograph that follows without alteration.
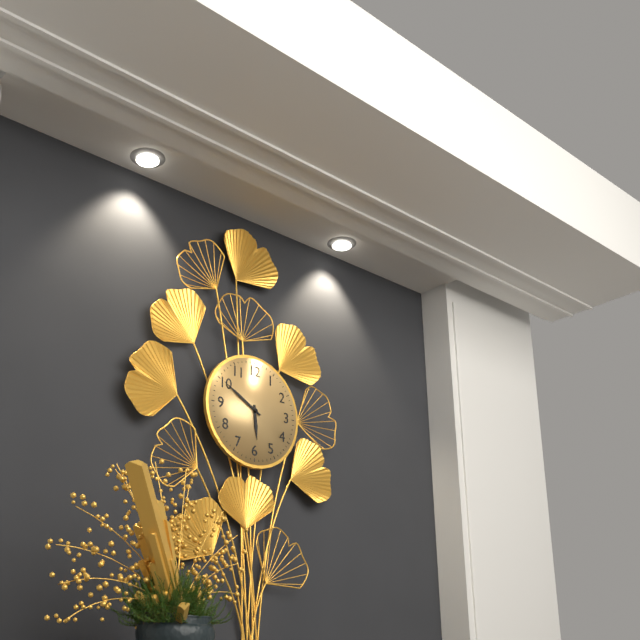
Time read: 5:50
